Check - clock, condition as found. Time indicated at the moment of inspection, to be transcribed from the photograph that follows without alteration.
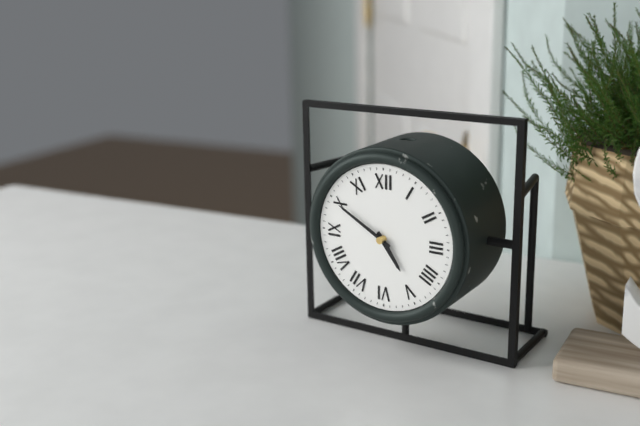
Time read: 4:50
